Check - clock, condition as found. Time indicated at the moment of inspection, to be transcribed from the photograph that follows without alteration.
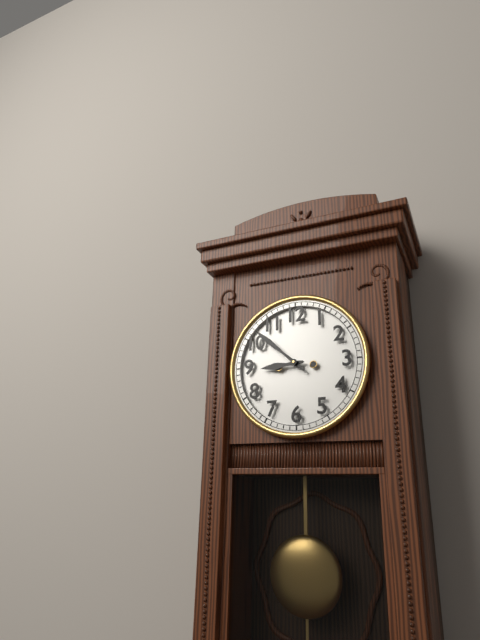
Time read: 8:52
